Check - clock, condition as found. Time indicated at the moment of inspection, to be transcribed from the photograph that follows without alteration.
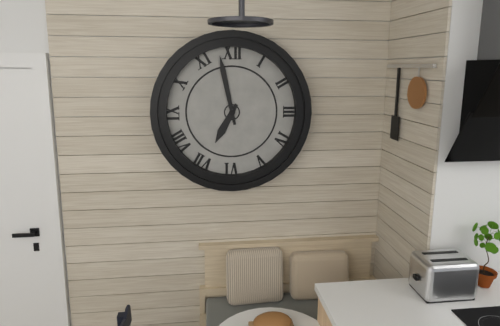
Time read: 6:58
